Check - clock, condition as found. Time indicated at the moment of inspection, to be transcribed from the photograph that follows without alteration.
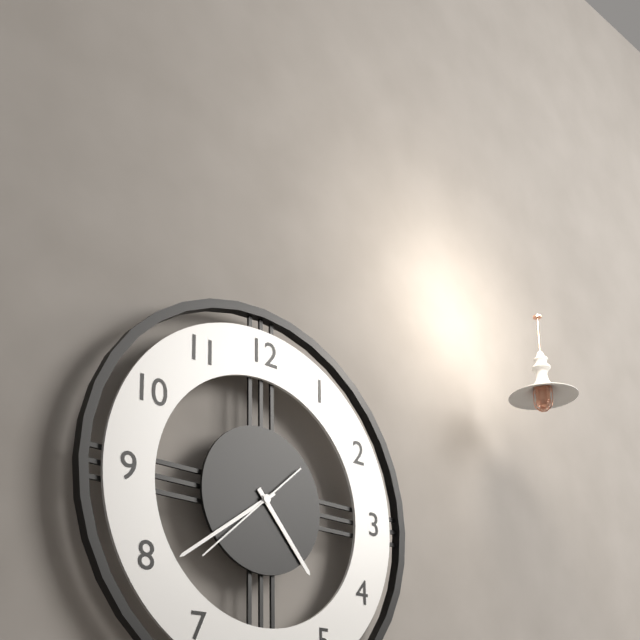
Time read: 4:39:38
